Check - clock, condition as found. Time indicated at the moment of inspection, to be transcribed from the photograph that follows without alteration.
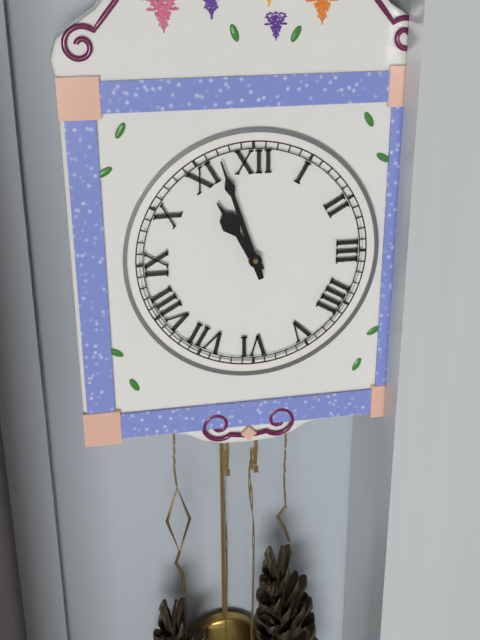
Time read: 10:57
